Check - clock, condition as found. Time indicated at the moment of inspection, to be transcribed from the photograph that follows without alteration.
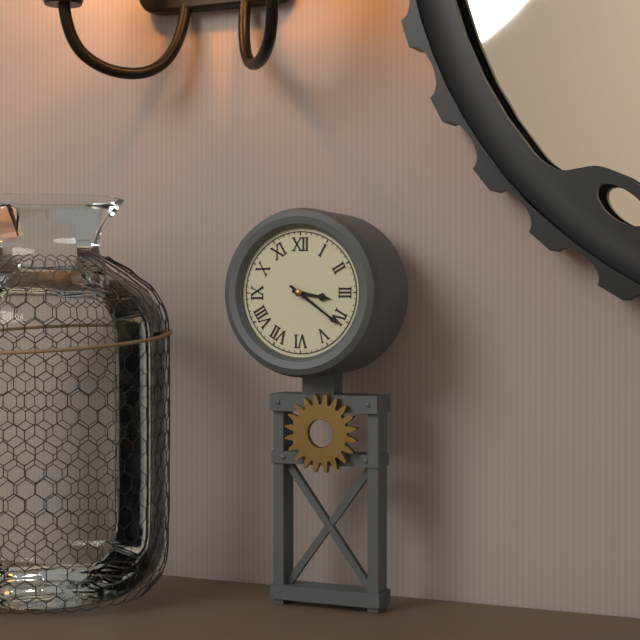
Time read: 3:21
